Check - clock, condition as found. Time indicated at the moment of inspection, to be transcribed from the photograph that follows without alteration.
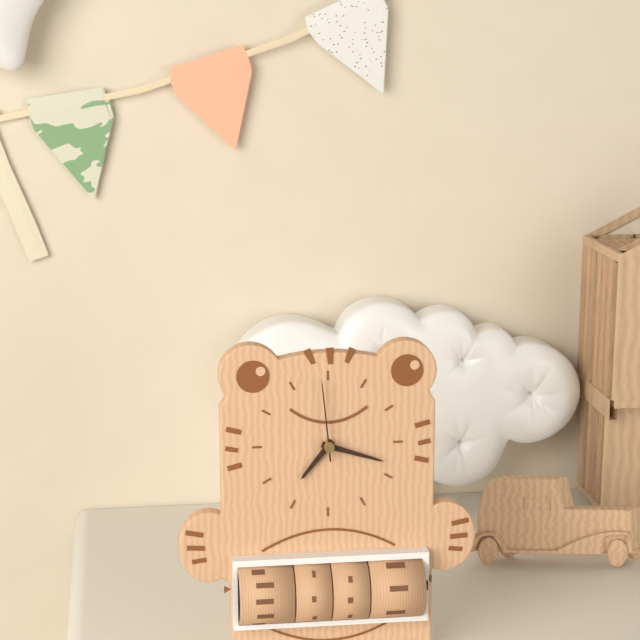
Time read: 7:18:59
